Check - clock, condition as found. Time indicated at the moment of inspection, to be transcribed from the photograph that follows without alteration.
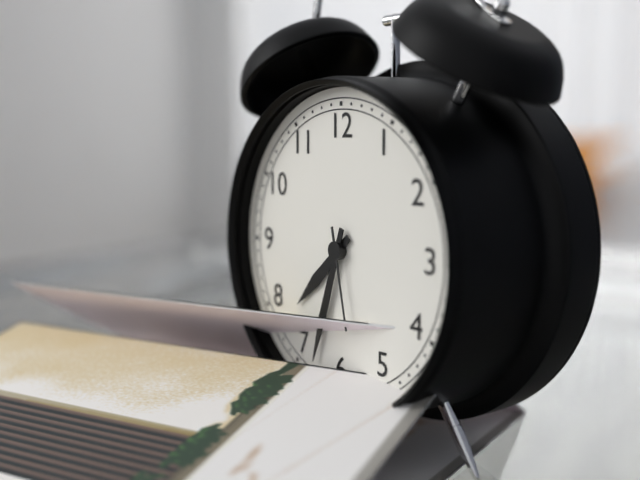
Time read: 7:33:28
